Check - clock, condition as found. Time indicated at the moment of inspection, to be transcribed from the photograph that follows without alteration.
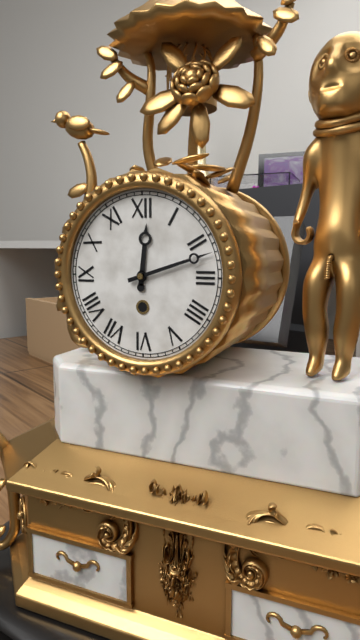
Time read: 12:12
